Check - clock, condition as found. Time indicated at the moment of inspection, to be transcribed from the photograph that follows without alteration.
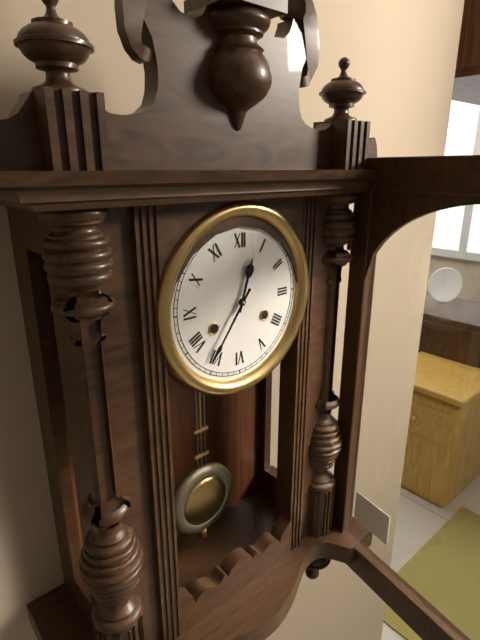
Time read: 12:36
